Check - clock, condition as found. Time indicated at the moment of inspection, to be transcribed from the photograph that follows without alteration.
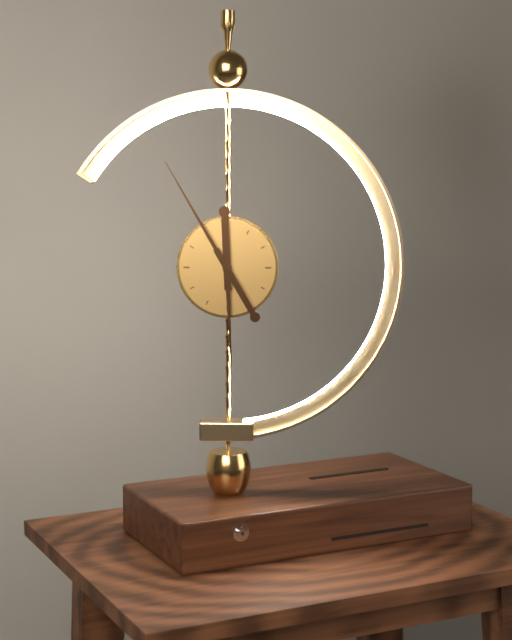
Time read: 5:55
